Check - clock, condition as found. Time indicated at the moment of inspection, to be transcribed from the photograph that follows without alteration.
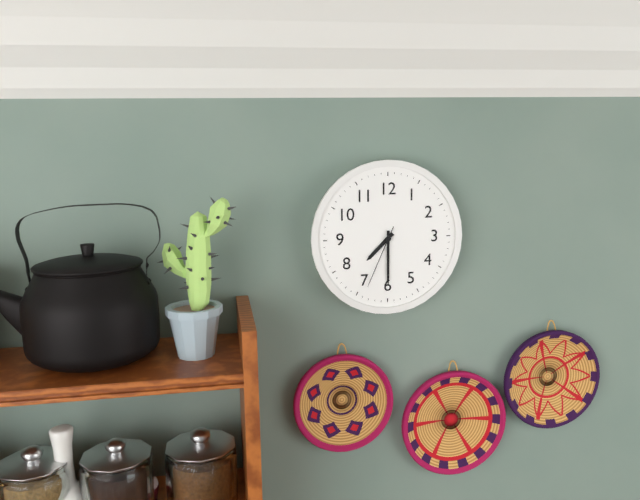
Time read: 7:30:34
